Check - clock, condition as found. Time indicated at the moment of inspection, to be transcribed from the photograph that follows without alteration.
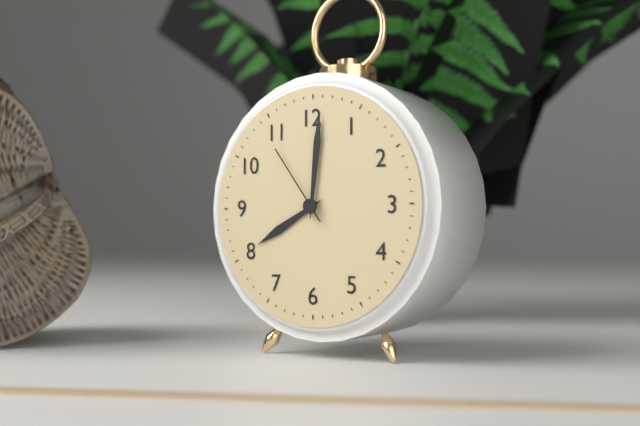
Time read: 8:01:54
